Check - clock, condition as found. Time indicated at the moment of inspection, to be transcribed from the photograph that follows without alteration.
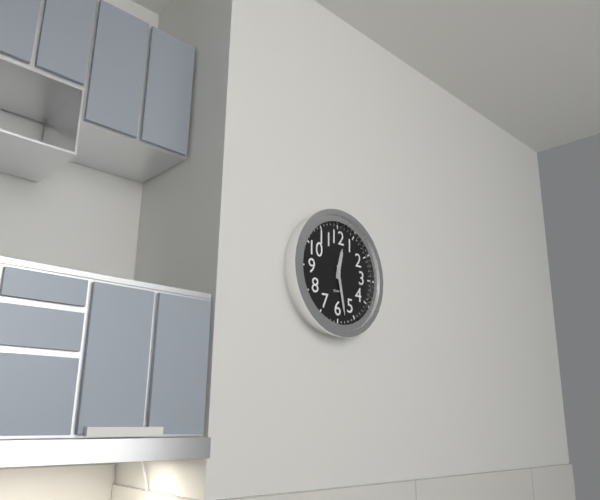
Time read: 12:28
